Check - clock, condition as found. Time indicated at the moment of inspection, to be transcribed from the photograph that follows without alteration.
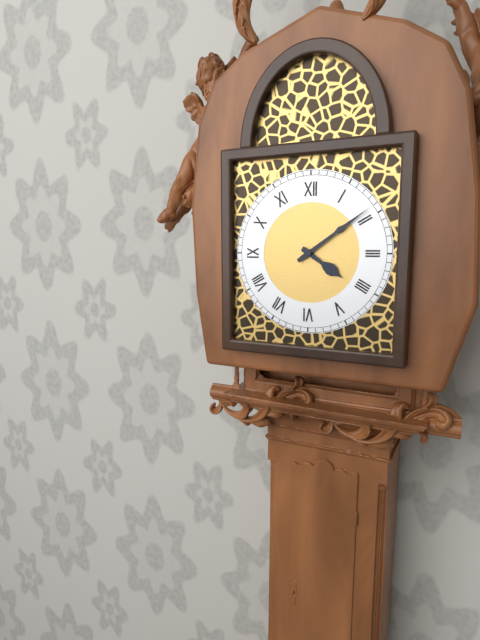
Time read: 4:09
